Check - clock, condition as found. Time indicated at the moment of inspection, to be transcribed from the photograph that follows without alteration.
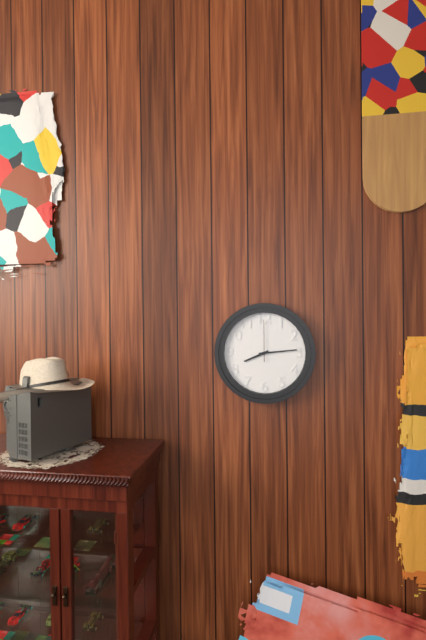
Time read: 8:14
